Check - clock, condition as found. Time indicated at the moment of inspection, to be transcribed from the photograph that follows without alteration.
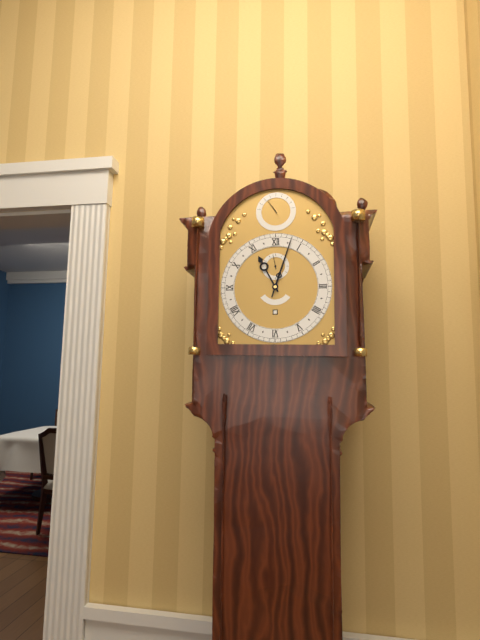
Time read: 11:03
